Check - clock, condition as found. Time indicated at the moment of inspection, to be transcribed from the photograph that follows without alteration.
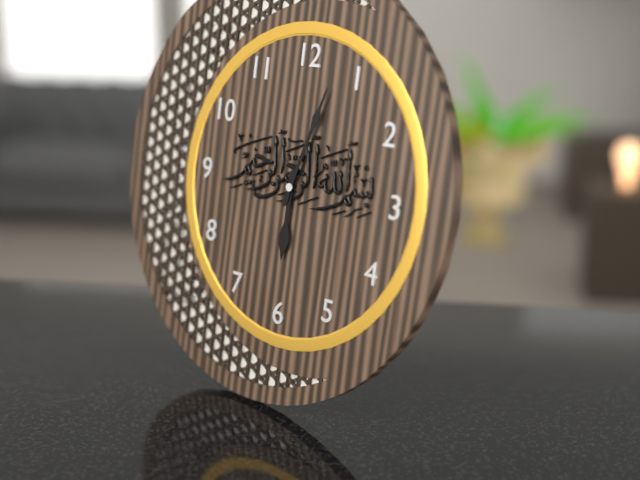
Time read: 6:03
